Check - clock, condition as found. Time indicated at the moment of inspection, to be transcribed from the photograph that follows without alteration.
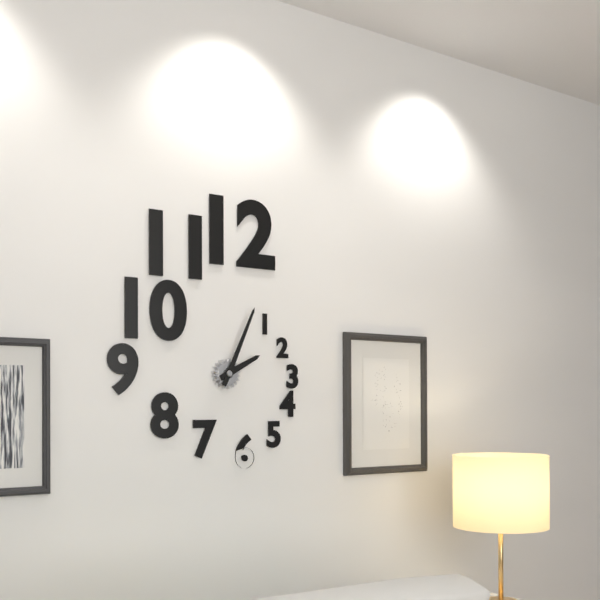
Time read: 2:04
